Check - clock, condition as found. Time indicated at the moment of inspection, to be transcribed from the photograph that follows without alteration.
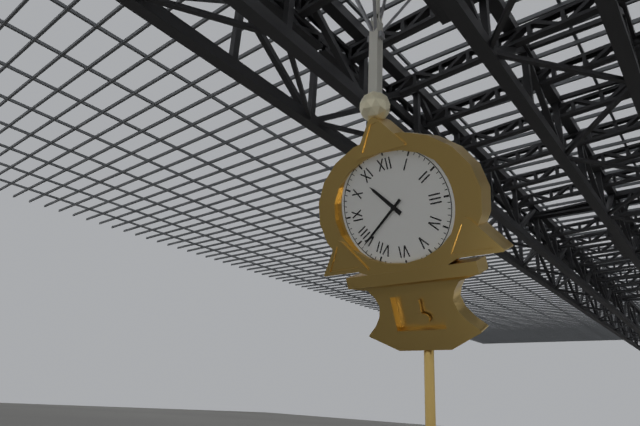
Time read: 10:39
